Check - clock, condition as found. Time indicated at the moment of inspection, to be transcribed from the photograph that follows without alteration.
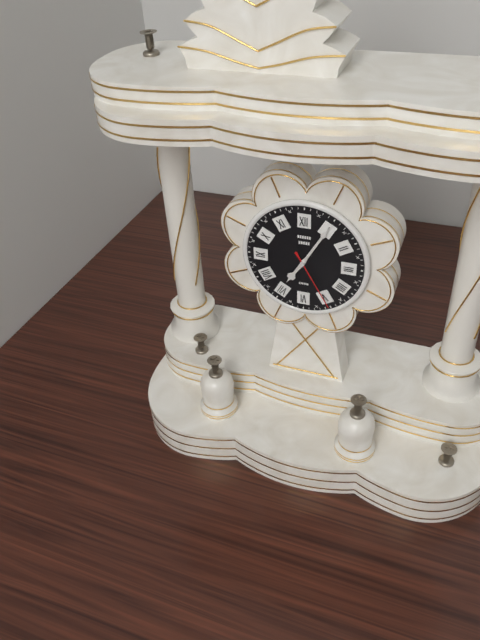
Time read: 7:05:25
